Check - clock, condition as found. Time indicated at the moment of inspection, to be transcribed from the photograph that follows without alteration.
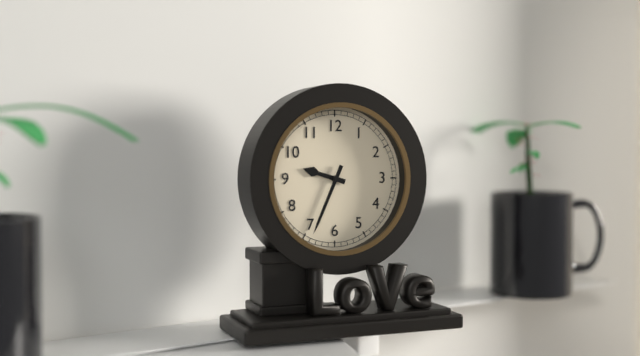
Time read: 9:34
